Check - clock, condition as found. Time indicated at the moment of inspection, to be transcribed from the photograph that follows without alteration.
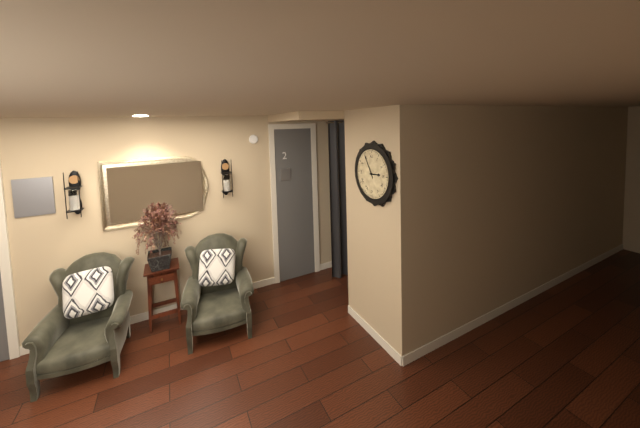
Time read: 2:55
